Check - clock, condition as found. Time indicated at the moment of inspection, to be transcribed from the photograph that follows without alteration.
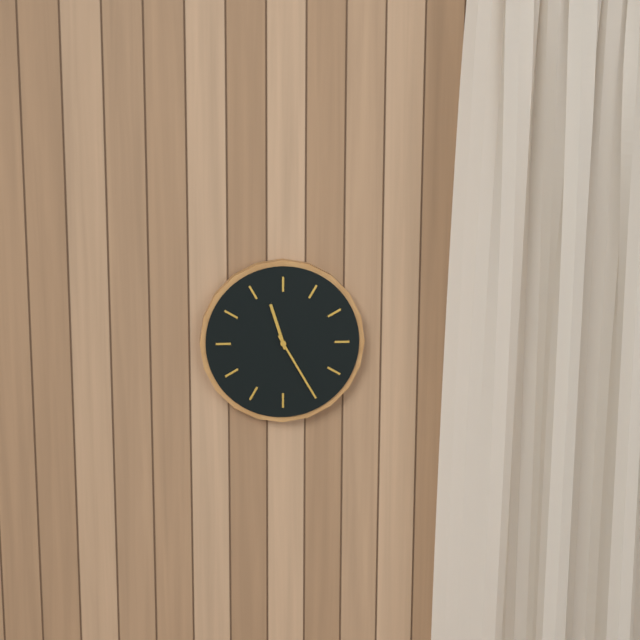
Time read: 11:25
